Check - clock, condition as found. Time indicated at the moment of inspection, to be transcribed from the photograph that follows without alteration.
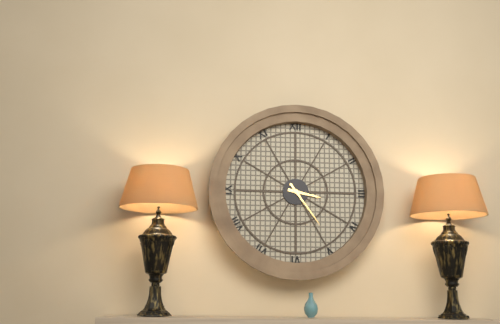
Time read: 3:24
